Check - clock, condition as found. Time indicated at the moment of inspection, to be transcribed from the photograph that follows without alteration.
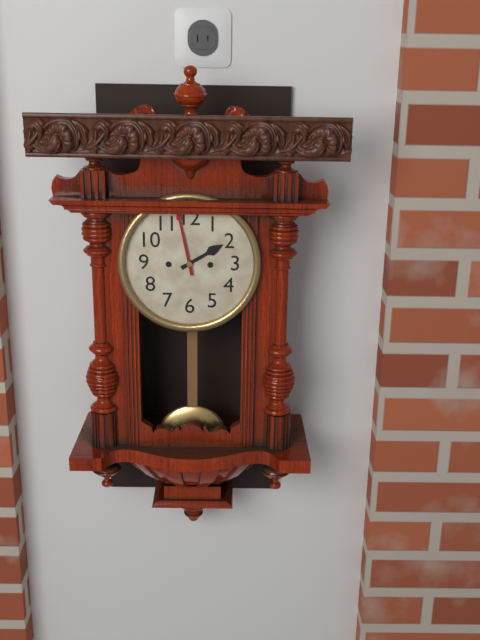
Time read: 1:58
